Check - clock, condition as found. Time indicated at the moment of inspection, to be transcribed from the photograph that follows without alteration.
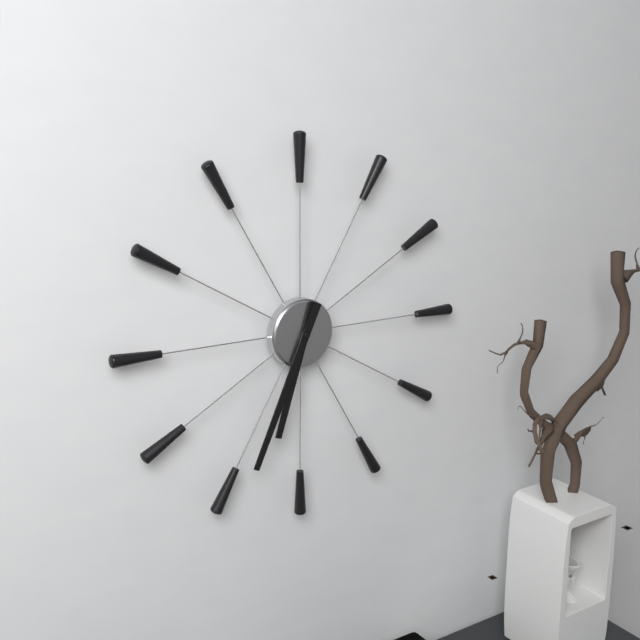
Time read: 6:34
